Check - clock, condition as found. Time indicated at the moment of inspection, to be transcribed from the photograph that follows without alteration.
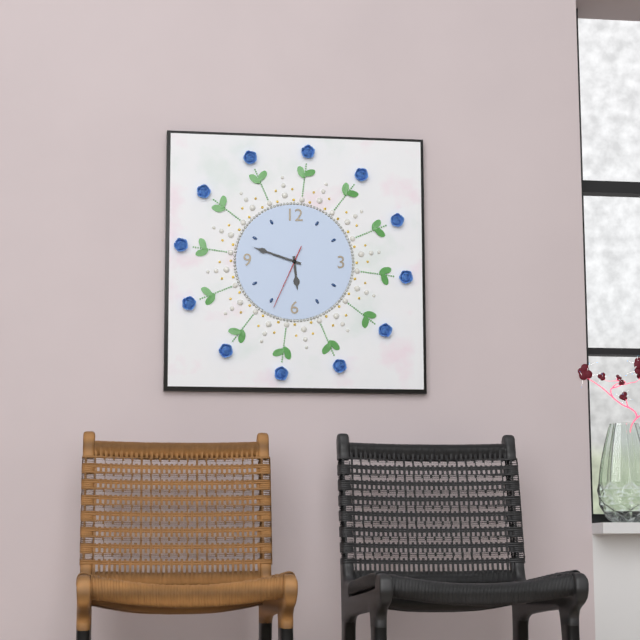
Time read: 5:48:34
